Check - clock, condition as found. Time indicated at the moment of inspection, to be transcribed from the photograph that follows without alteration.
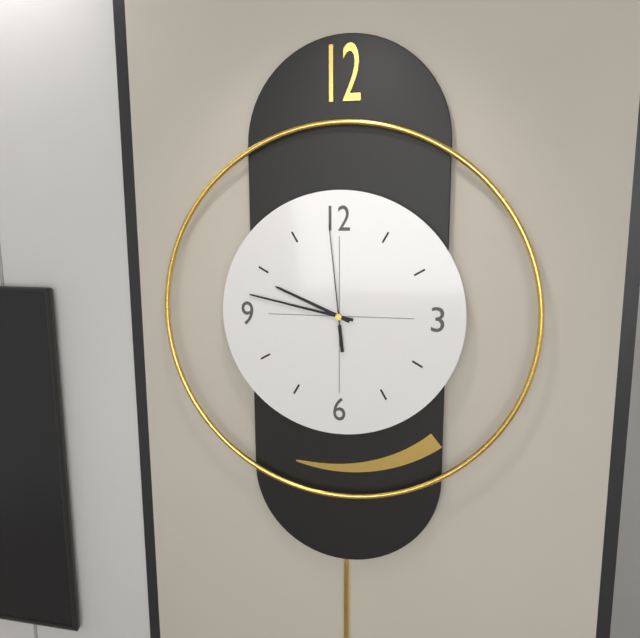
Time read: 9:47:59
